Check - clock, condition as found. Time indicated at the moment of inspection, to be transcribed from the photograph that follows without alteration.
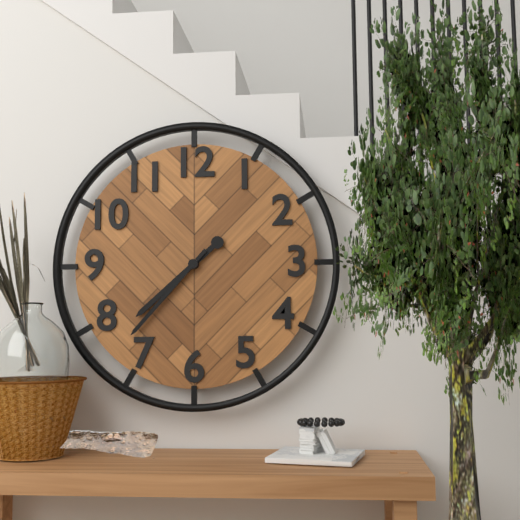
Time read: 7:37
